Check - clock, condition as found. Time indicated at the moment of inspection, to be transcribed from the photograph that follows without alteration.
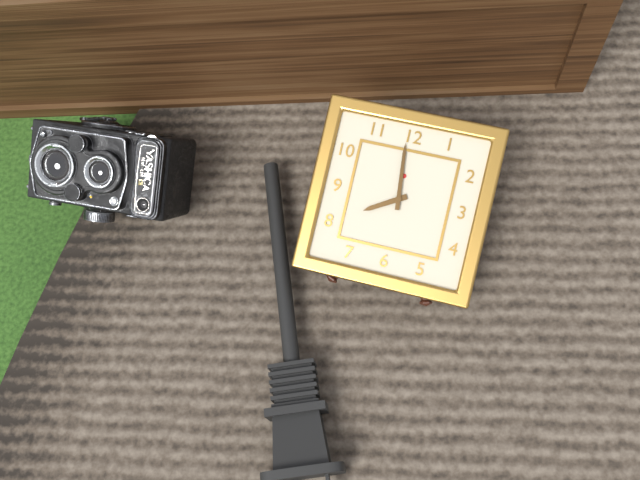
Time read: 7:59
